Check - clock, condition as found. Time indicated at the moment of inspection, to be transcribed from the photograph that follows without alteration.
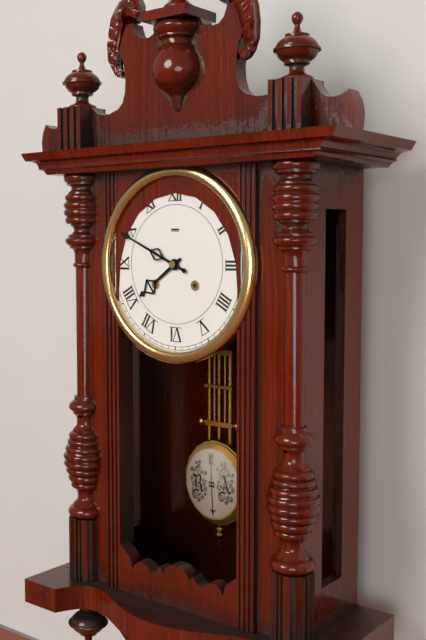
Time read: 7:49
